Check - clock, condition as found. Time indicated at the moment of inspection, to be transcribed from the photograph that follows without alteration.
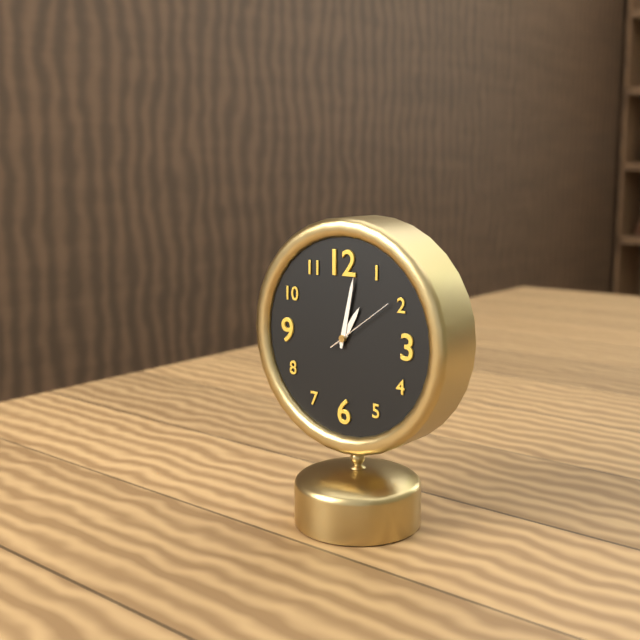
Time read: 1:02:09
